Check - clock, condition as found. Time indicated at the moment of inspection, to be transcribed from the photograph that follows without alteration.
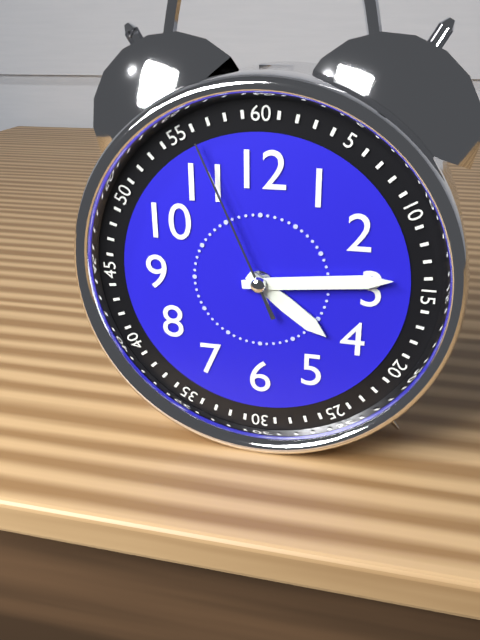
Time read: 4:14:56
